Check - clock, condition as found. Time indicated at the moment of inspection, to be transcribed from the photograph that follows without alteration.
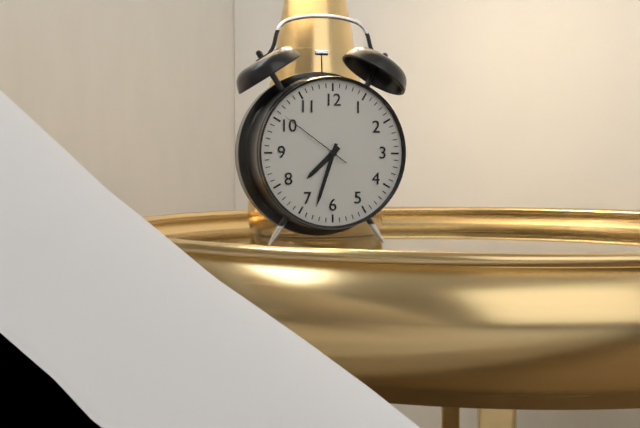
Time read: 7:33:51
